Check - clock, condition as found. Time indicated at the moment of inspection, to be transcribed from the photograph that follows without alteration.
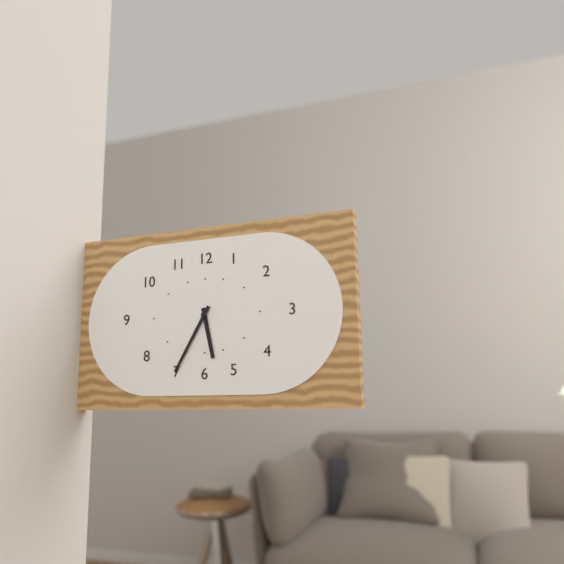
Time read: 5:35
